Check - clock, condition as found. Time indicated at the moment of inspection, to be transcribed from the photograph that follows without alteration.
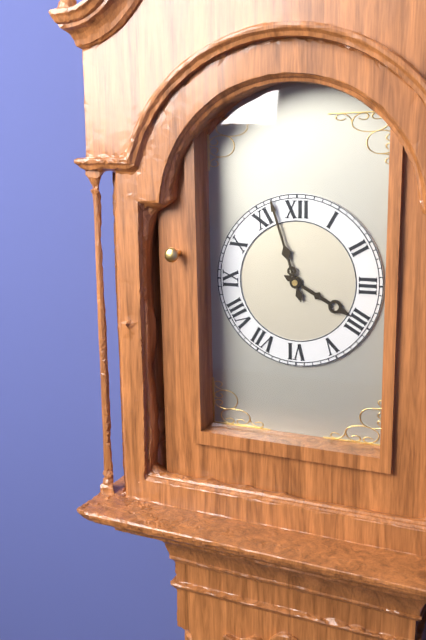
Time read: 3:57
